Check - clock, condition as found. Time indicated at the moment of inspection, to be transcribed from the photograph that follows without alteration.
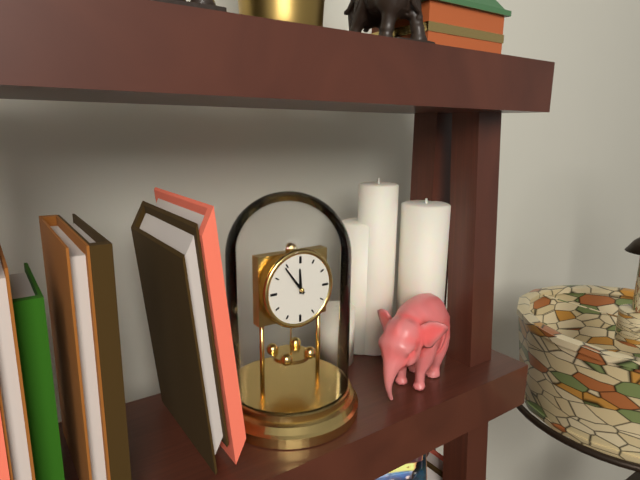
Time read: 11:54
